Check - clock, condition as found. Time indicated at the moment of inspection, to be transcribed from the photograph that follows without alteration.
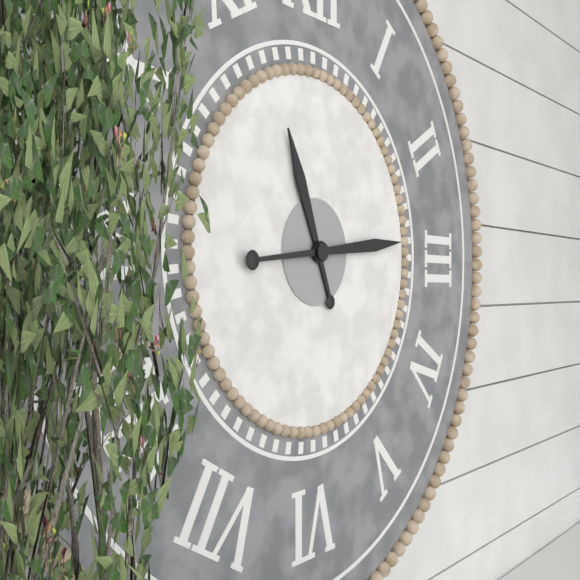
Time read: 11:14
